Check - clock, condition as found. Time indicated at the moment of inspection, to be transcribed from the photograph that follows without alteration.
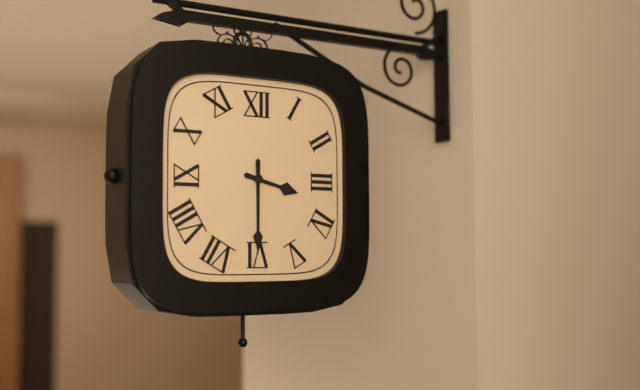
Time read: 3:30
